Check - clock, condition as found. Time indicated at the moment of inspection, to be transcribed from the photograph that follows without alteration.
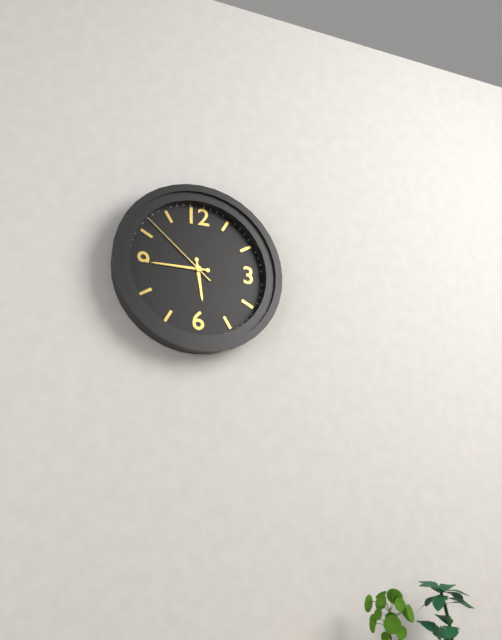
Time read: 5:45:52
